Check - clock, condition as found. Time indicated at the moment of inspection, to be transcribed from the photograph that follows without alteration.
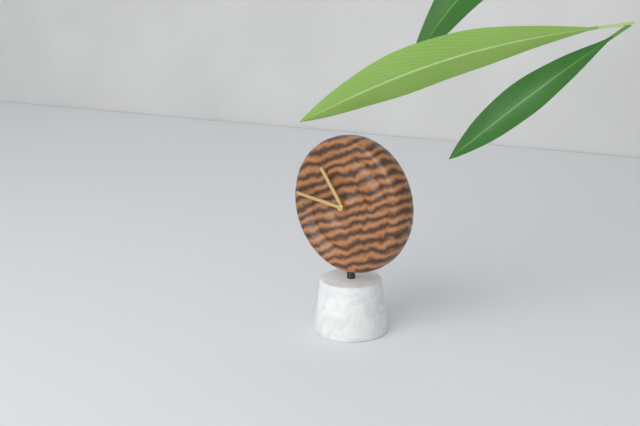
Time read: 10:46
